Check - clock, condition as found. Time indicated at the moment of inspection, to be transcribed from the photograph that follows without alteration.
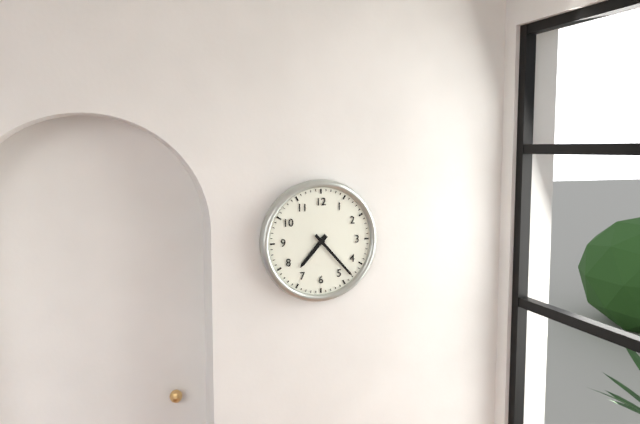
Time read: 7:23
